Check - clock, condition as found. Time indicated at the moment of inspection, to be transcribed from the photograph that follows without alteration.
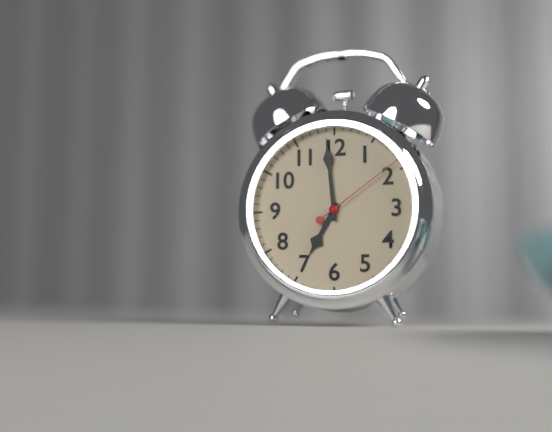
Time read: 6:59:09
